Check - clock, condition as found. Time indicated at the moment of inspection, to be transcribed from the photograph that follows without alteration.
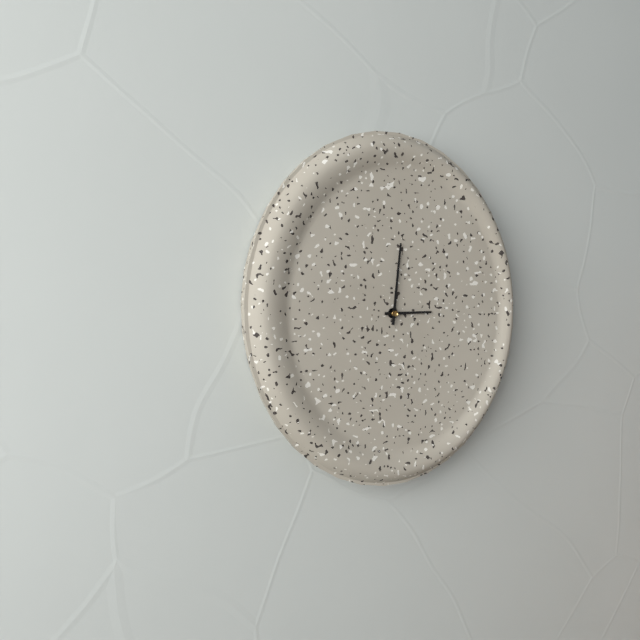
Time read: 3:01
